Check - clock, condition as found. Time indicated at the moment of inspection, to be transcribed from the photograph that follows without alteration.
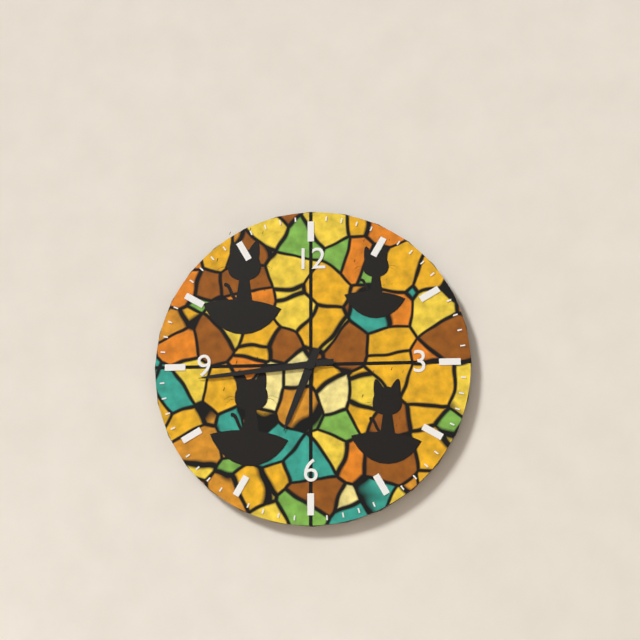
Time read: 6:44
